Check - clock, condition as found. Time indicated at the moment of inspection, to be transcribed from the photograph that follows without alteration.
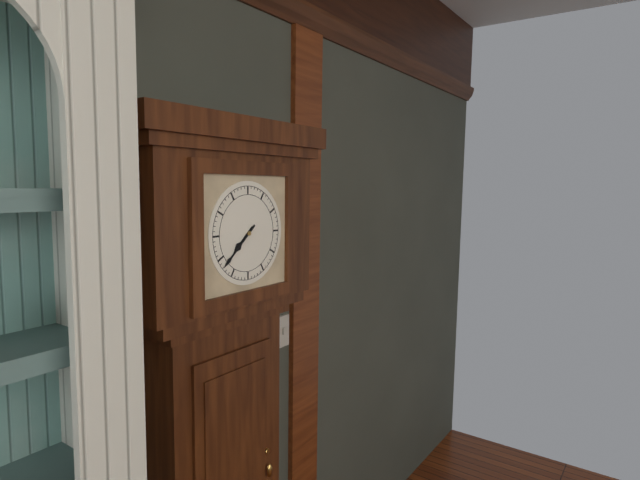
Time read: 7:38
